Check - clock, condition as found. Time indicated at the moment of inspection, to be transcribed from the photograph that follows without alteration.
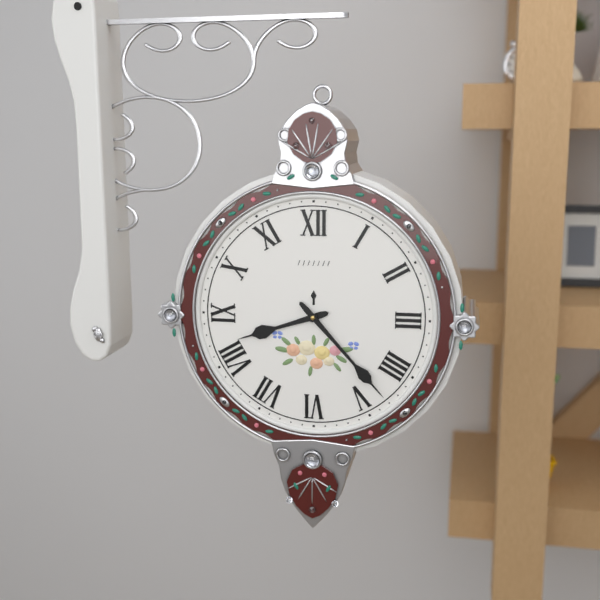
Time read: 8:23
